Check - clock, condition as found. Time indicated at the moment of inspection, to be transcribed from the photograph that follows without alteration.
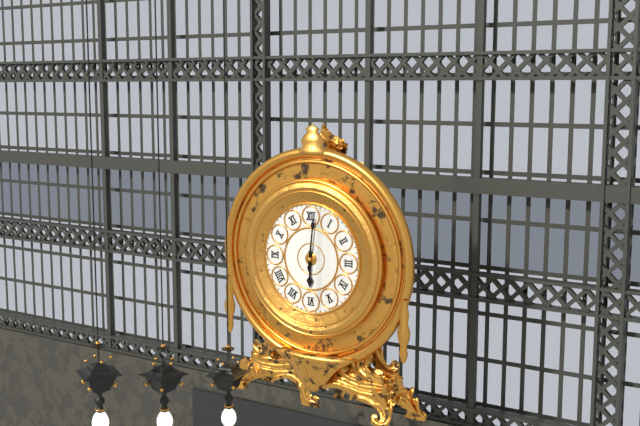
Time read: 6:01
